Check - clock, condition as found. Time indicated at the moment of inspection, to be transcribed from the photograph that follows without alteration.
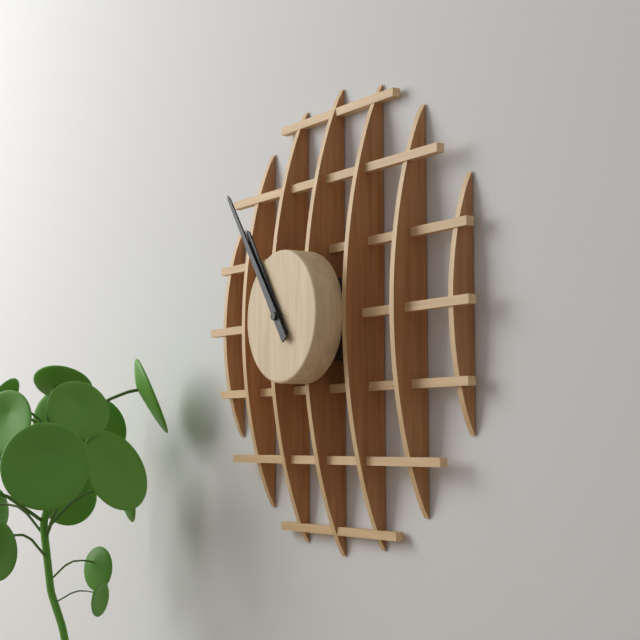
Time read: 10:54
